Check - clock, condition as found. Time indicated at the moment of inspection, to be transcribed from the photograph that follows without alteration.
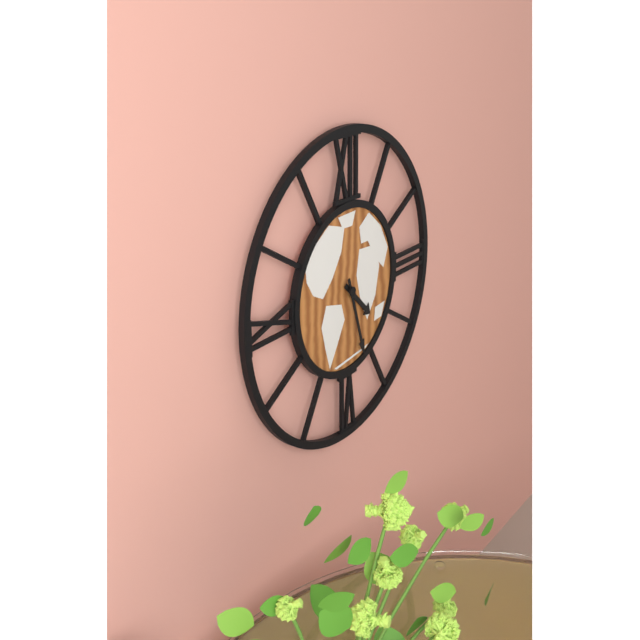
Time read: 4:27
